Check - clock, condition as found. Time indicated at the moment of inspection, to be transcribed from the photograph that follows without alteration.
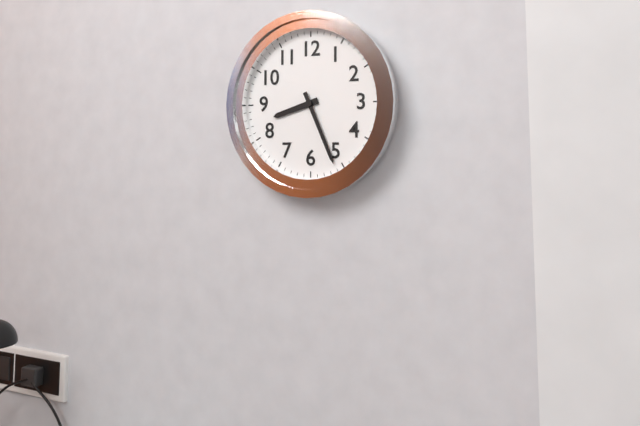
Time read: 8:26
